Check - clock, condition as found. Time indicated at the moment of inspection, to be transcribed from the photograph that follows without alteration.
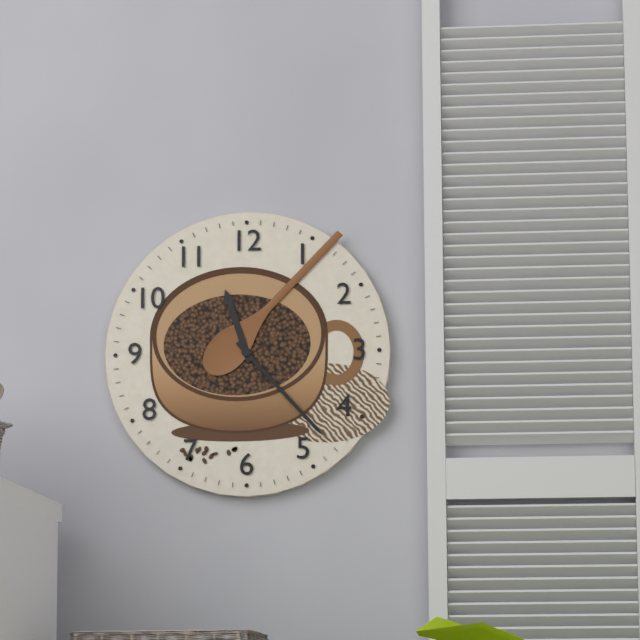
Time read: 11:23
